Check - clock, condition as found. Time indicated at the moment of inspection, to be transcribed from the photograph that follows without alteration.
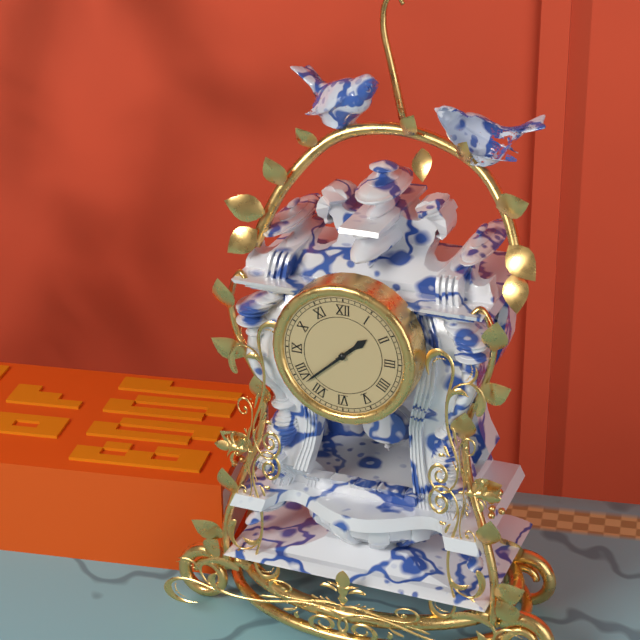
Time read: 1:38
